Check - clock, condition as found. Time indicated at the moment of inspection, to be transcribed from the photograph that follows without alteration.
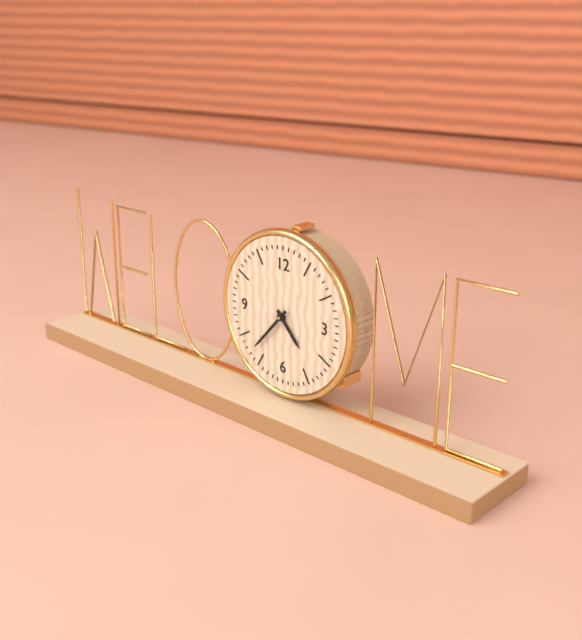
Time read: 4:37
